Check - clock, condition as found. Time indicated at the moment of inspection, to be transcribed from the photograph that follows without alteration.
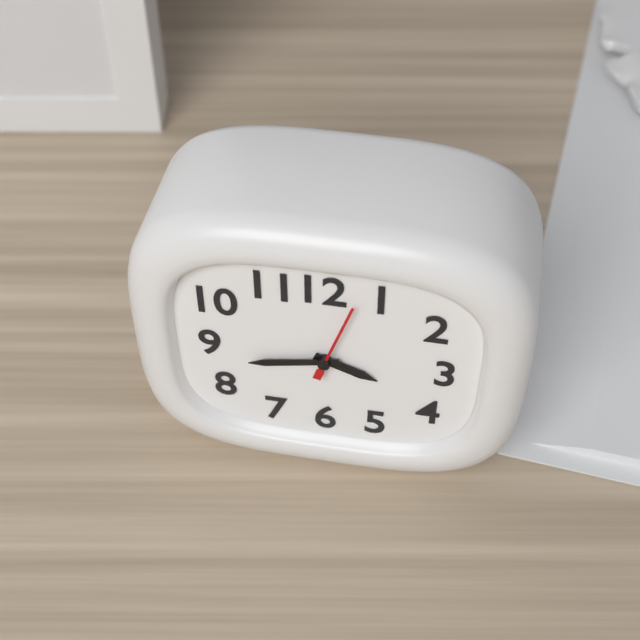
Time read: 3:43:03
